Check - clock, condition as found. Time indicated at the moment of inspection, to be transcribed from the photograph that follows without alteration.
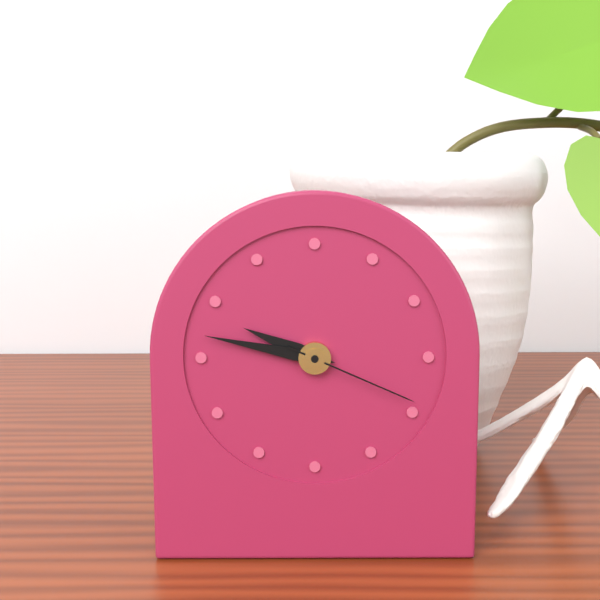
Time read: 9:47:19
